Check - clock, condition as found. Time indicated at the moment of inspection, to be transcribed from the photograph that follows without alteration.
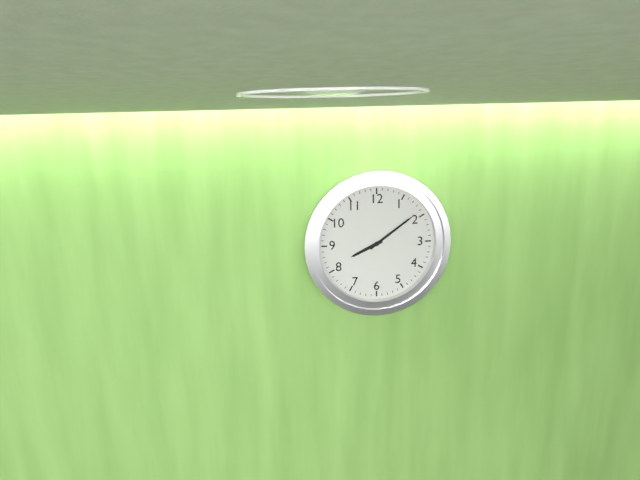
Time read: 8:09
